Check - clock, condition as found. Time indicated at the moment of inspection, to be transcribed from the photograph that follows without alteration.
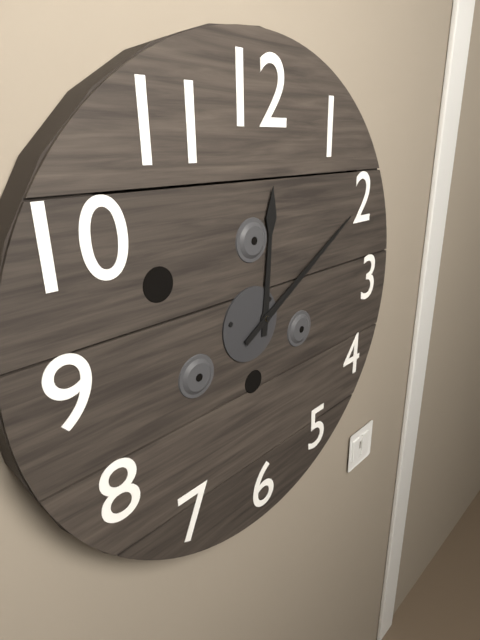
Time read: 12:10
